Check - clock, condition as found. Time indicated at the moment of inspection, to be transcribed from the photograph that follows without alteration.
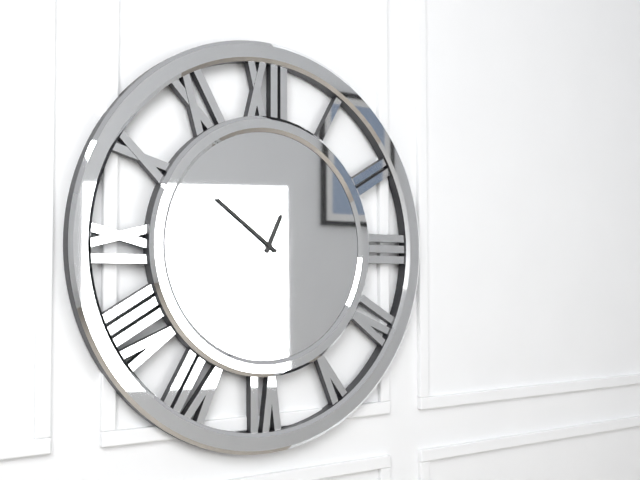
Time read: 12:51
